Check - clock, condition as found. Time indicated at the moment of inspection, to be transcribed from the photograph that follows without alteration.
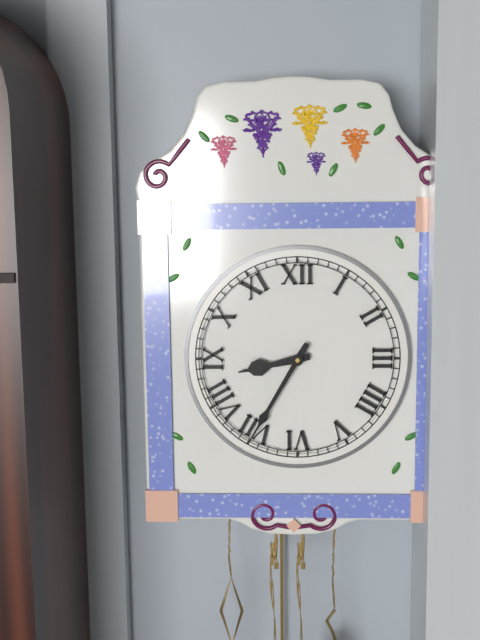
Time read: 8:35
